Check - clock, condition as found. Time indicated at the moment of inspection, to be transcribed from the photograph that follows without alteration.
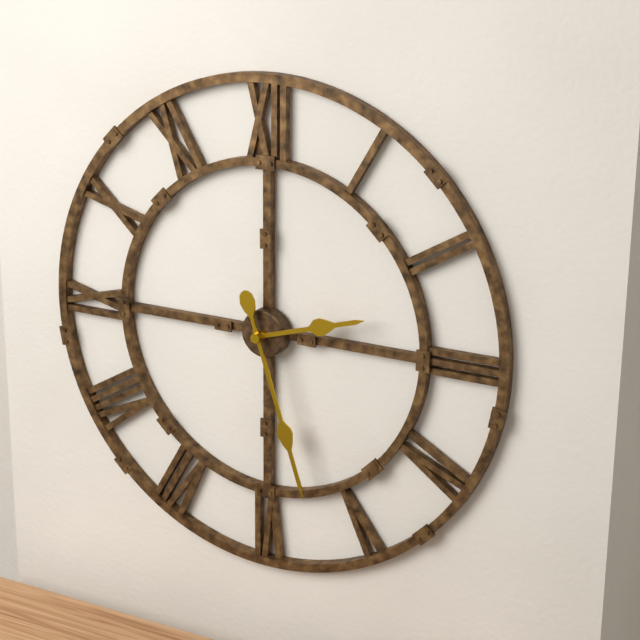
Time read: 2:27
